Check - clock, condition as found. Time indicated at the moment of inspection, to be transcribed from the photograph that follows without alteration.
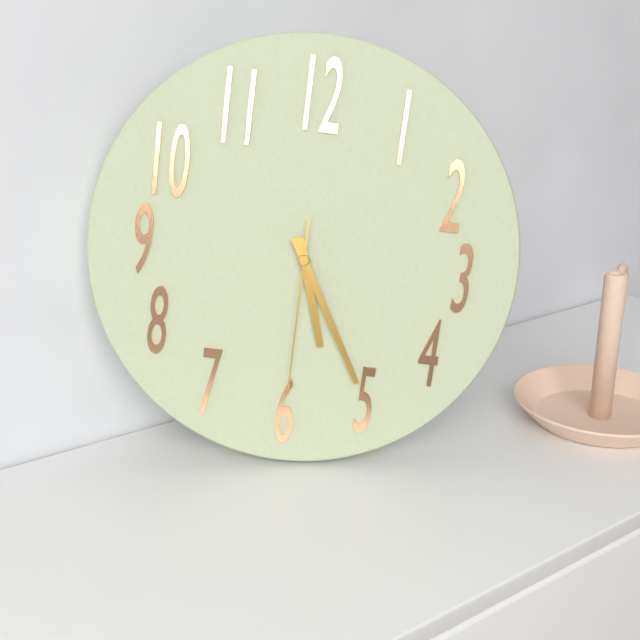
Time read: 5:25:30
